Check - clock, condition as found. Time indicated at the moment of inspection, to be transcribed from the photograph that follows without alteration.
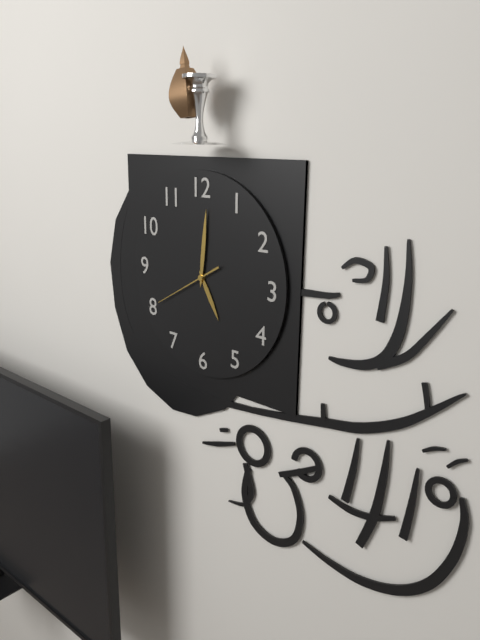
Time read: 5:01:40
